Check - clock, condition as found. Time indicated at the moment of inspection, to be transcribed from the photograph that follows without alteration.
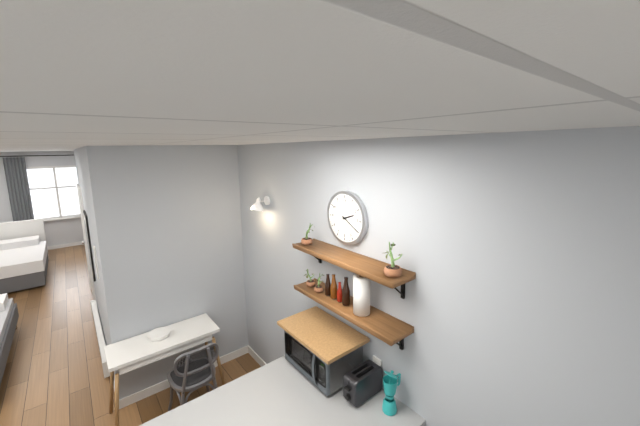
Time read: 2:20
